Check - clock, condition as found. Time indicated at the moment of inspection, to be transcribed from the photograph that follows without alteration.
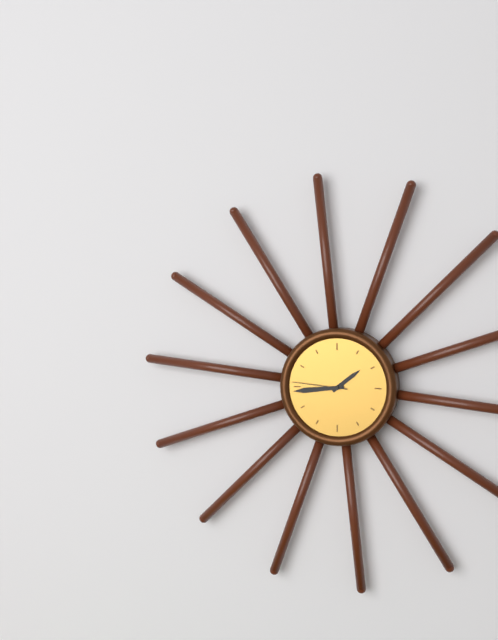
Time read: 1:44:46
